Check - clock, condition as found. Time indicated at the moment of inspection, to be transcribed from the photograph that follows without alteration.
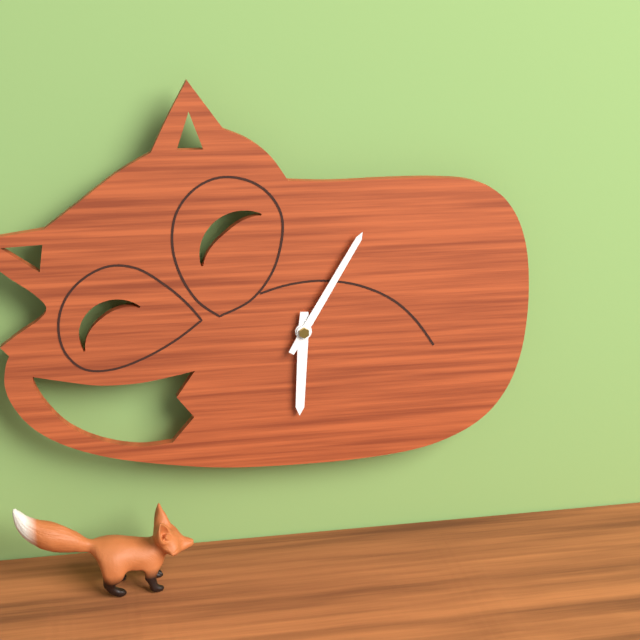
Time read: 6:05
